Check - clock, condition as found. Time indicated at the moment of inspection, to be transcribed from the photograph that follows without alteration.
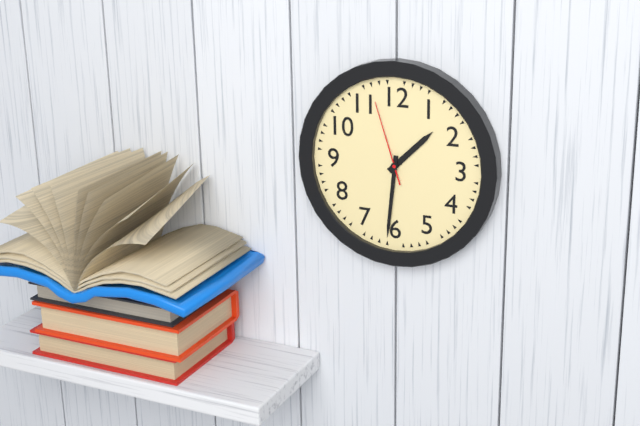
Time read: 1:31:57
